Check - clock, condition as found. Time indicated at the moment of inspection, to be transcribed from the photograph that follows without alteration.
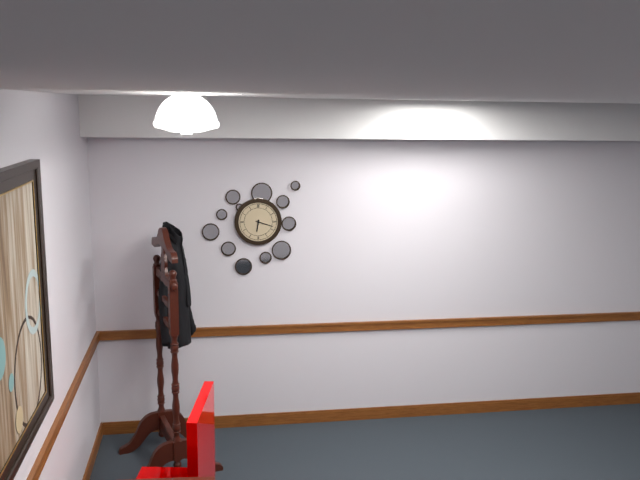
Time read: 6:18
